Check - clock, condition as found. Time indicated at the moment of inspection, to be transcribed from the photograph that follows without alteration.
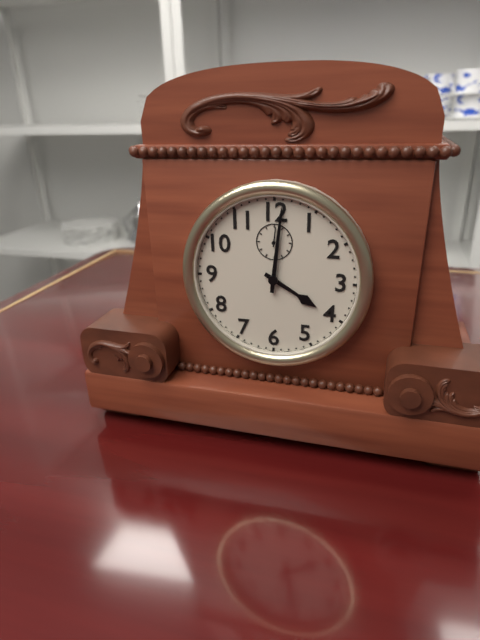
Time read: 4:01
